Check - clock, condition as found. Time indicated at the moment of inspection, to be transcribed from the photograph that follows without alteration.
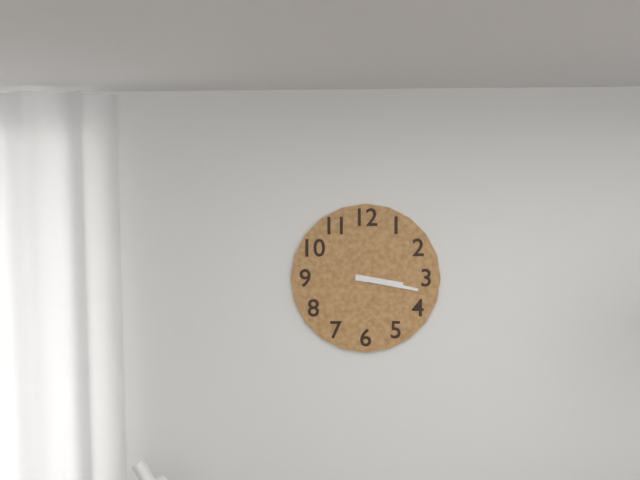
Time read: 3:17
